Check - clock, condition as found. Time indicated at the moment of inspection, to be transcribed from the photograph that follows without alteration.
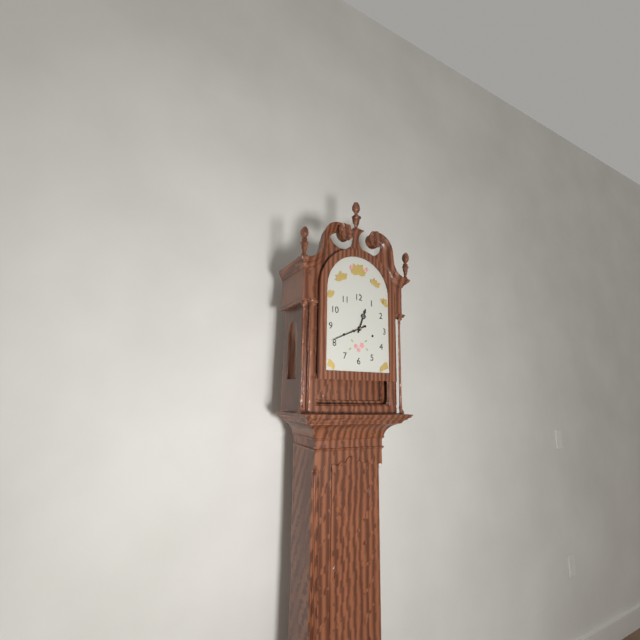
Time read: 12:41
